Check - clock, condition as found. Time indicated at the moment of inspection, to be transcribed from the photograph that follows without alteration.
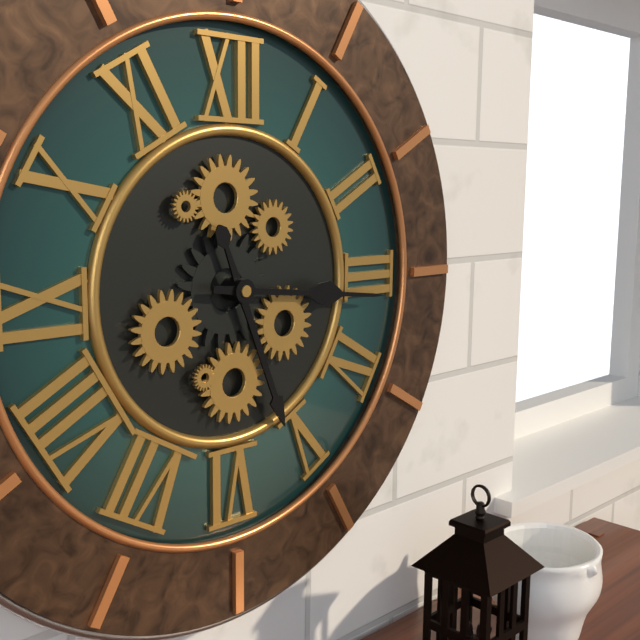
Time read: 5:16
